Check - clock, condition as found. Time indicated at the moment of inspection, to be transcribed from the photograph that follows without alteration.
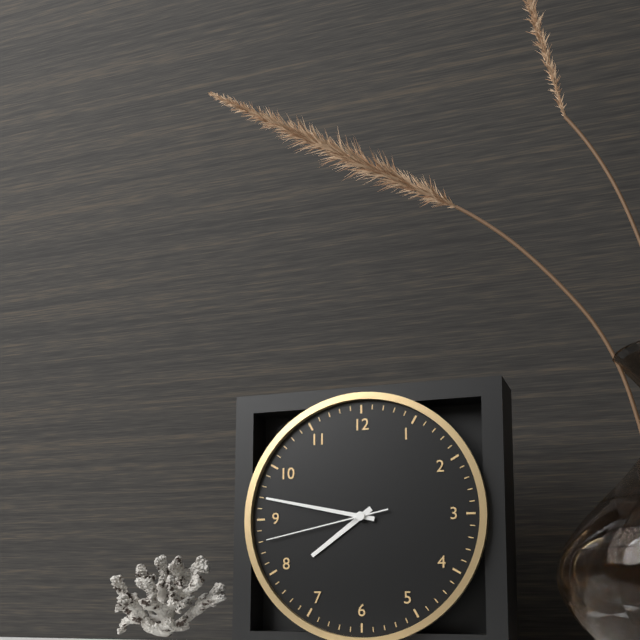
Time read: 7:47:43
